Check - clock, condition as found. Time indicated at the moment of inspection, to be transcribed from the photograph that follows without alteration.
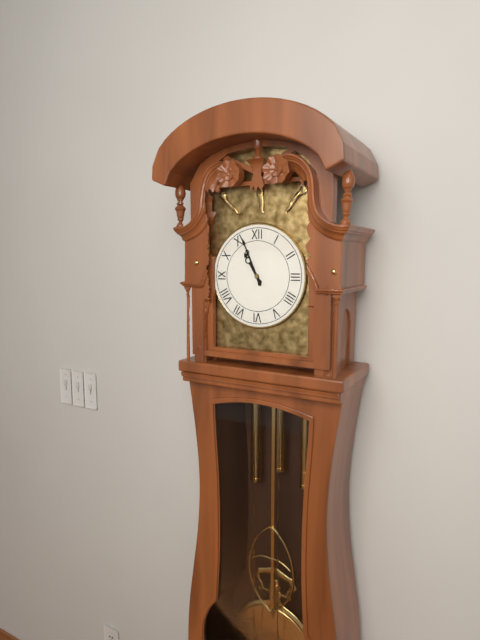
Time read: 10:56
